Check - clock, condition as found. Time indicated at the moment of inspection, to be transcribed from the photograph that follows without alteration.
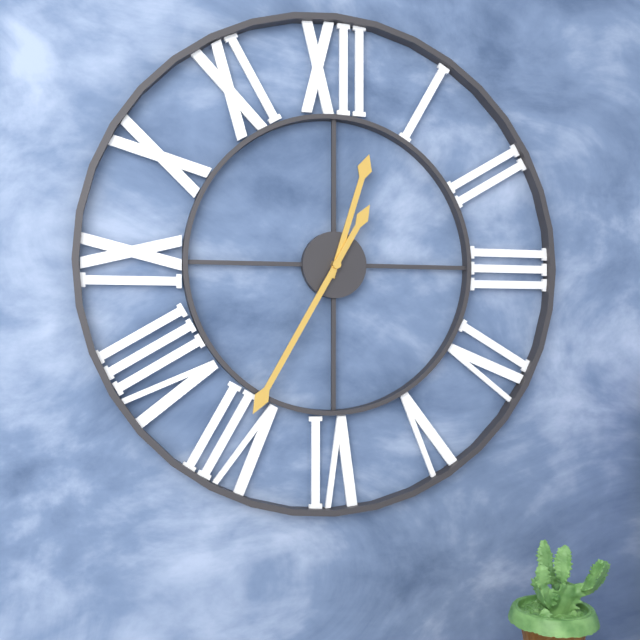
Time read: 12:35
